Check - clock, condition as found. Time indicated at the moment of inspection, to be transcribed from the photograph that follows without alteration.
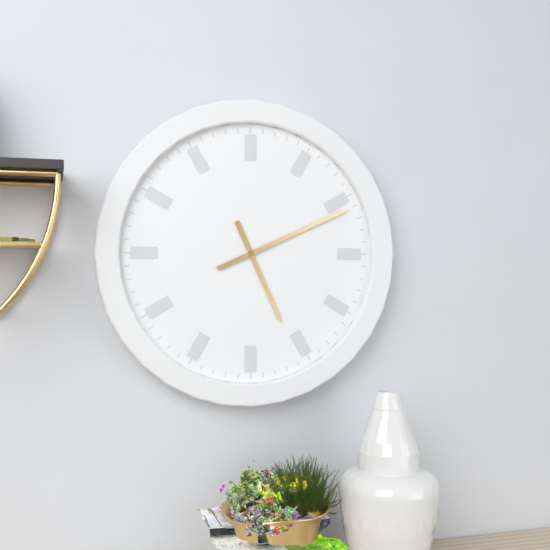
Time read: 5:11
